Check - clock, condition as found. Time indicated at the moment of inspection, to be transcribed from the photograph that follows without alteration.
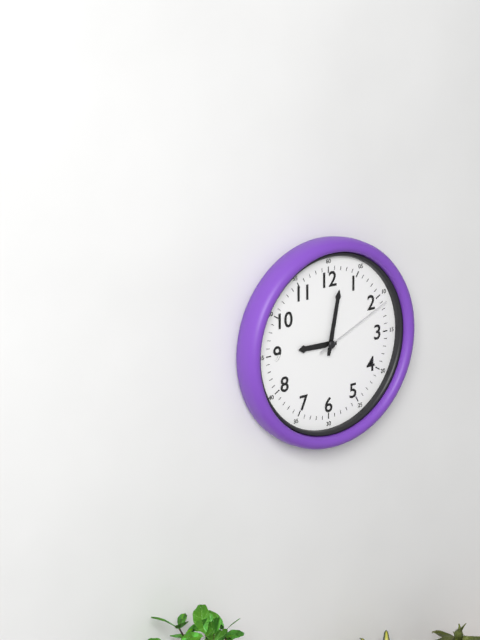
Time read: 9:02:11
